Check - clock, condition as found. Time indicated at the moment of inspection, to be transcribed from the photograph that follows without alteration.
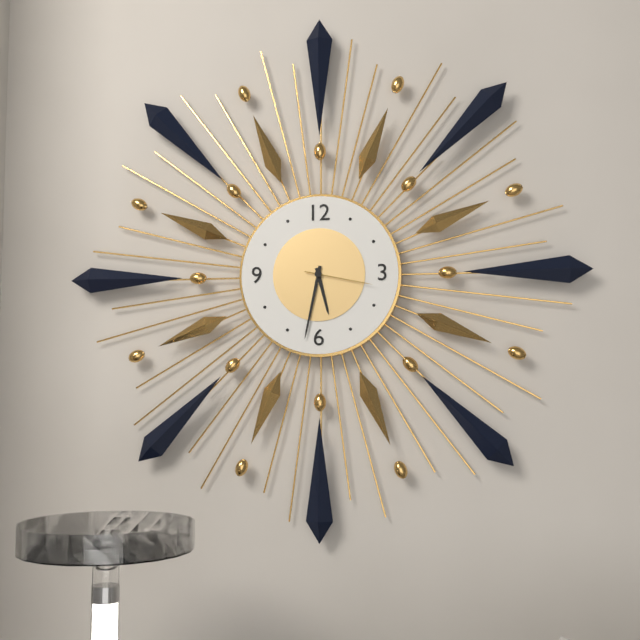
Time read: 5:32:17
